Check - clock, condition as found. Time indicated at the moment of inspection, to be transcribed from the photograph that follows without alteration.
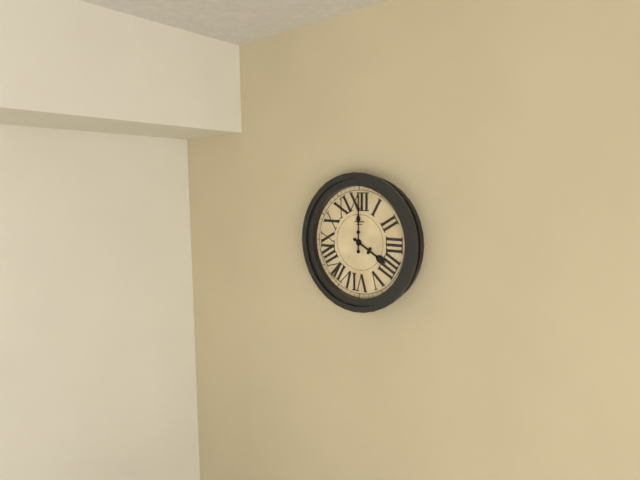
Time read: 4:00
